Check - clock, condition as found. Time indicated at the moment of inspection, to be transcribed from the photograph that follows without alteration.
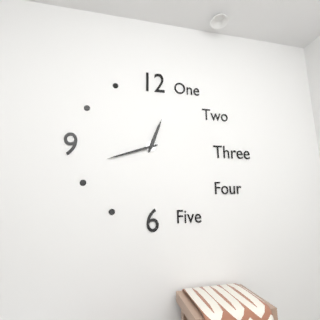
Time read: 12:42
